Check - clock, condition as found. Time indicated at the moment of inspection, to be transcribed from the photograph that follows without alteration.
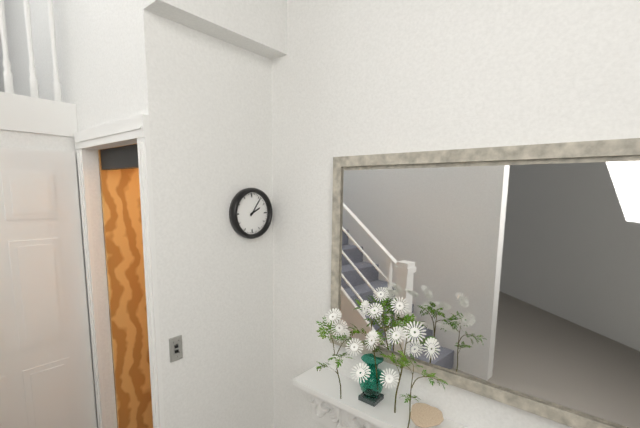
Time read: 2:06
